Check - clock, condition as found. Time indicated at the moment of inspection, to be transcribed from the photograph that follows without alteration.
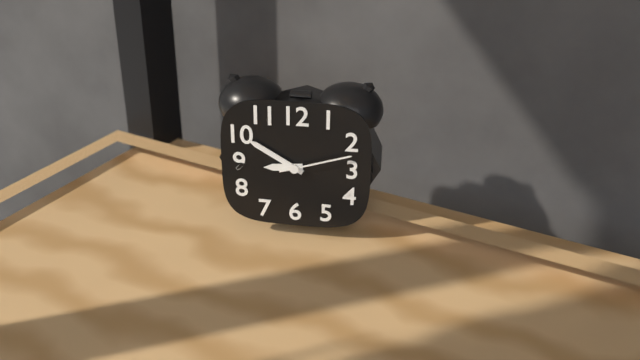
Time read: 8:50:12
